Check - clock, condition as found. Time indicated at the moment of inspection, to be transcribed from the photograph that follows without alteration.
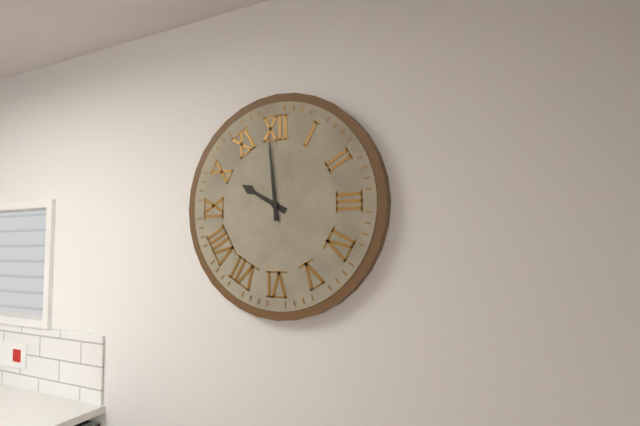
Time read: 9:59
